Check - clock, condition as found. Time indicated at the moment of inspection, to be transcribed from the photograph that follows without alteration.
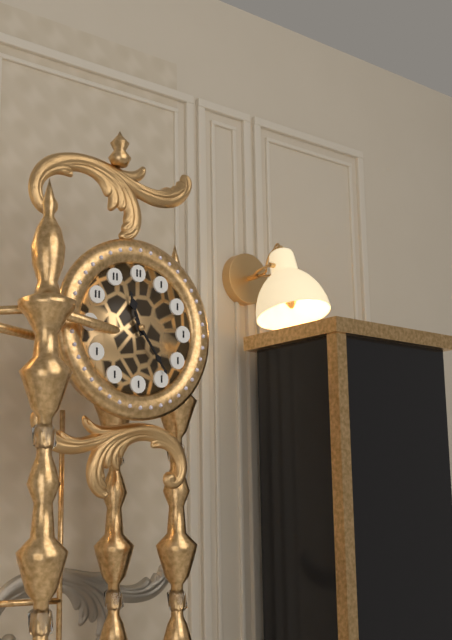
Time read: 11:24
